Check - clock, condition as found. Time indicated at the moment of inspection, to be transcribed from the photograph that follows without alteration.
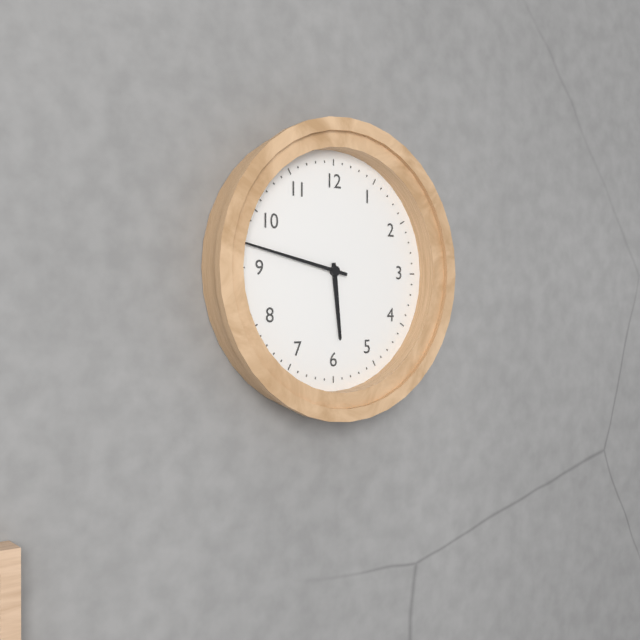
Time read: 5:47
